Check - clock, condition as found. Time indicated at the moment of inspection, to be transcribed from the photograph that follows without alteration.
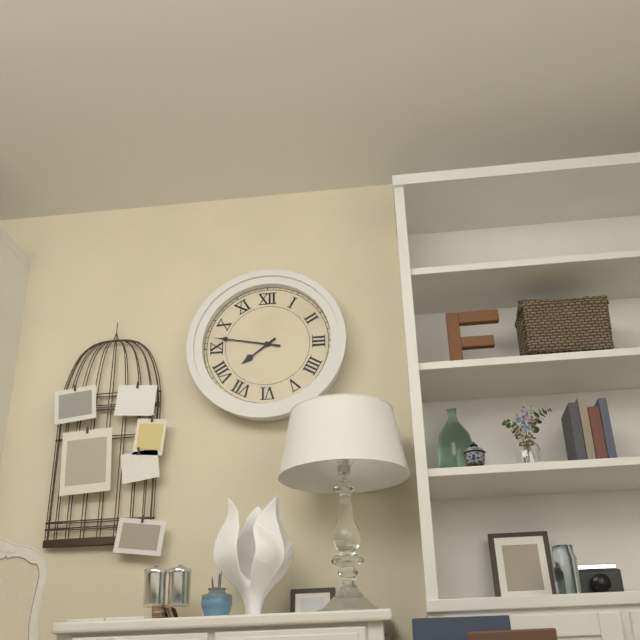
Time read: 7:47
